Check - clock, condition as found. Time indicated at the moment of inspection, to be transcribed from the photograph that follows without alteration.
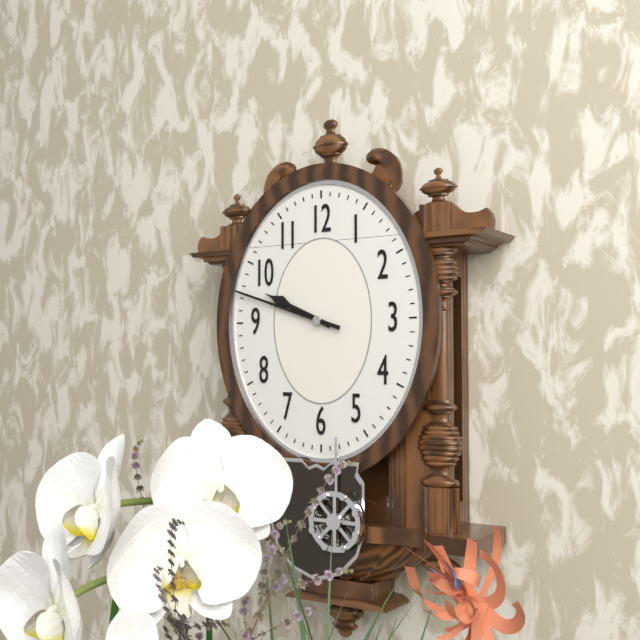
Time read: 9:48
